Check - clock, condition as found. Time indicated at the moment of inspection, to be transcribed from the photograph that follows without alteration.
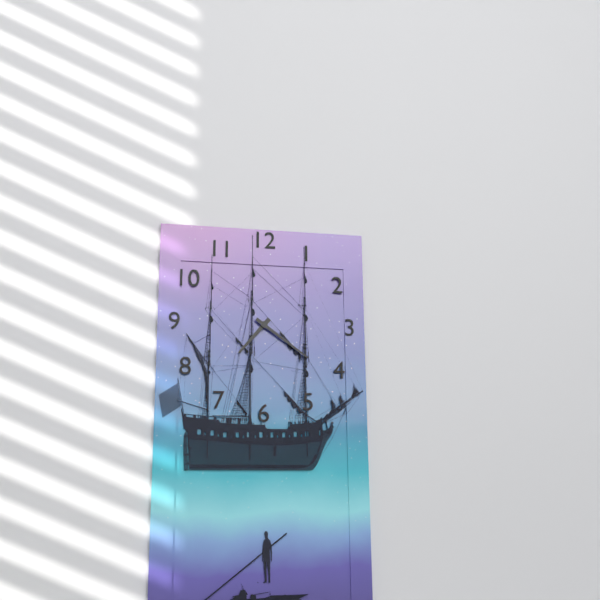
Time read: 7:21
